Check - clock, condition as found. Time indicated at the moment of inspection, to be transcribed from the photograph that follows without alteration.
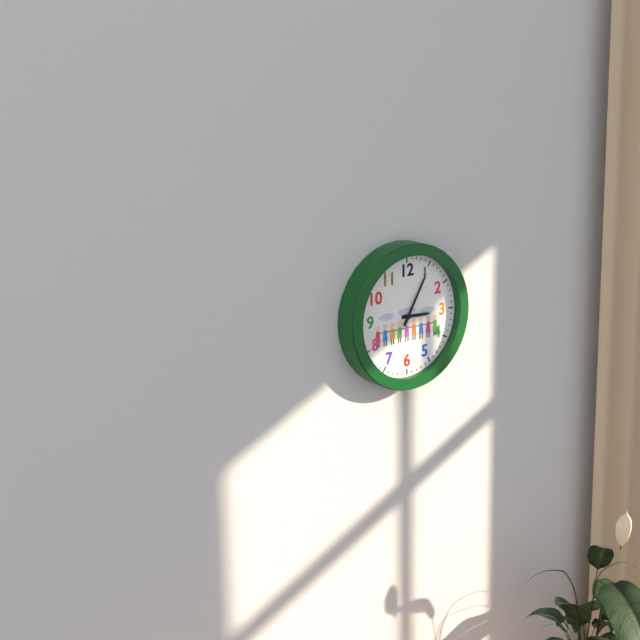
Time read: 3:05
